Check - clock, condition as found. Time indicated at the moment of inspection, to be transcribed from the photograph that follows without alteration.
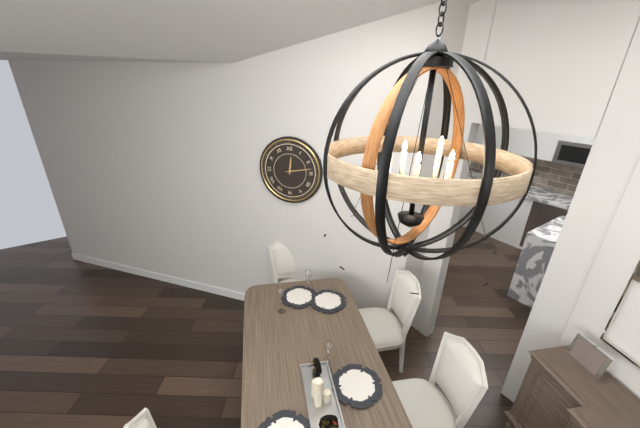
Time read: 12:13
